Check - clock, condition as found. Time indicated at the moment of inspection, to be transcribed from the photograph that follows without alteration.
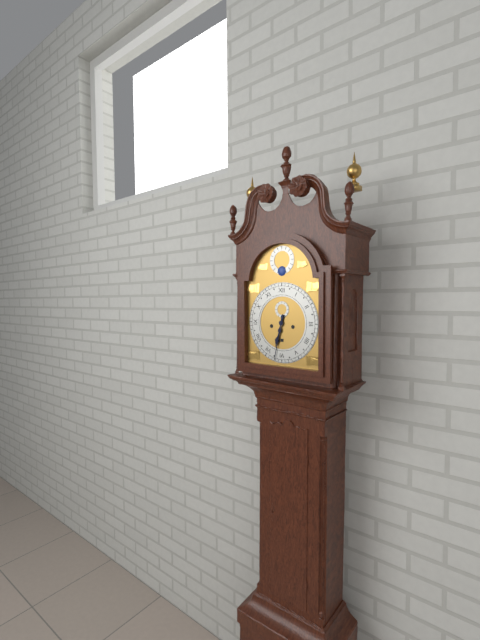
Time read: 6:32
